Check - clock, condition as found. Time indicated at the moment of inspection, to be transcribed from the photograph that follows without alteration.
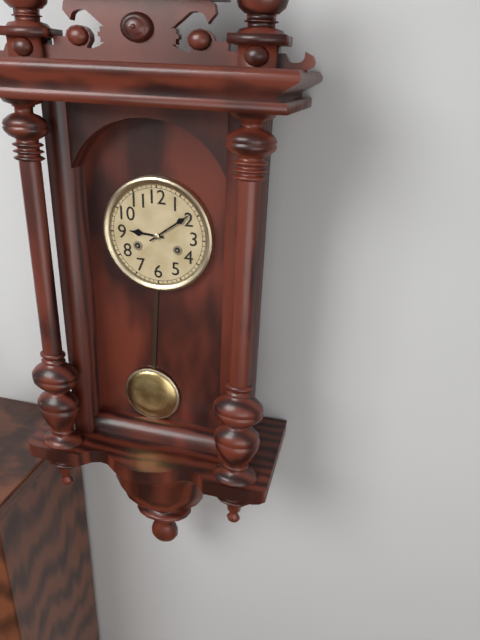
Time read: 9:09
